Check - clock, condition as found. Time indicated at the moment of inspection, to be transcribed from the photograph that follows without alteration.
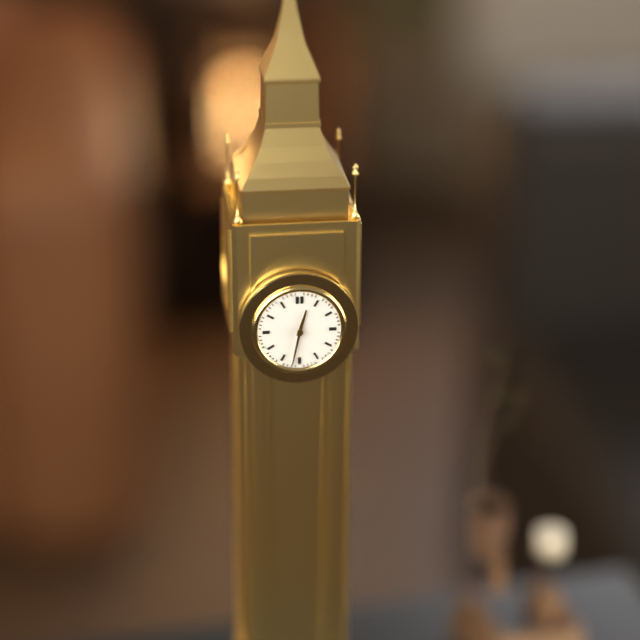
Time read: 12:32
